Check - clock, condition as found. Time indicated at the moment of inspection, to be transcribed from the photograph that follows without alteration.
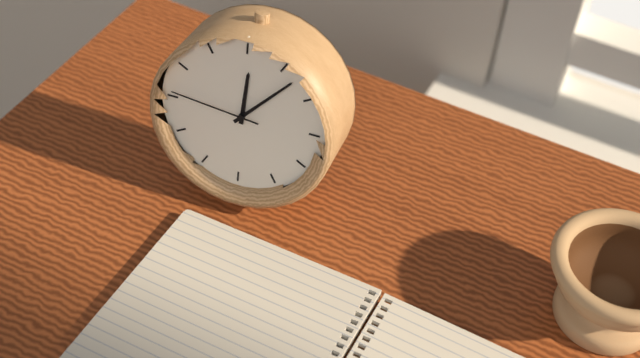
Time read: 12:07:46
